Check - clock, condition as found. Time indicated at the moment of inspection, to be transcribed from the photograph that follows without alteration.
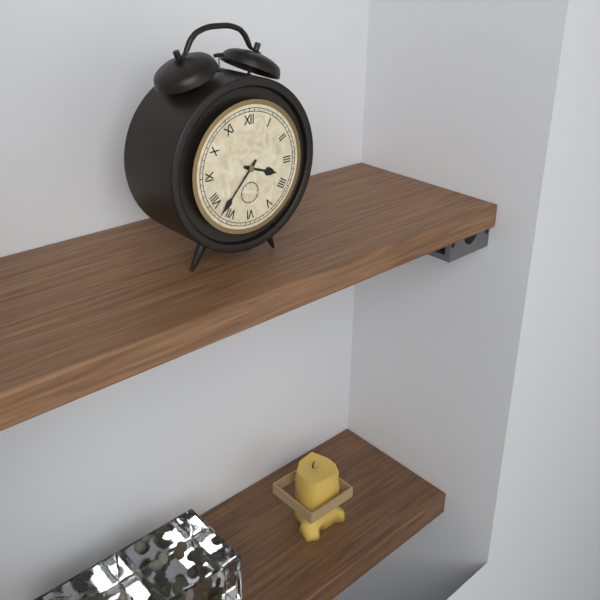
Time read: 3:37
